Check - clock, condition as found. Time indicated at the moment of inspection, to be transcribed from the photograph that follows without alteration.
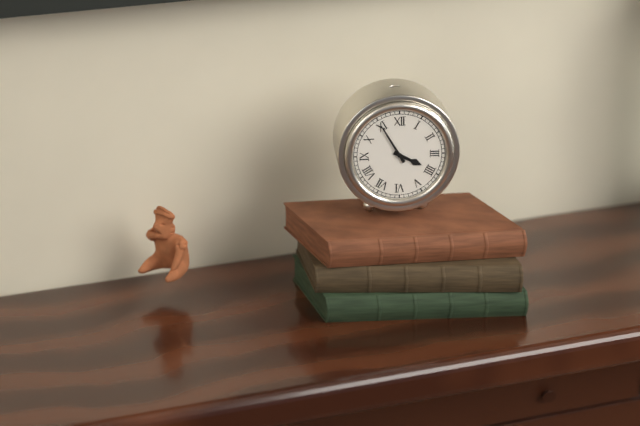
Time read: 3:55
